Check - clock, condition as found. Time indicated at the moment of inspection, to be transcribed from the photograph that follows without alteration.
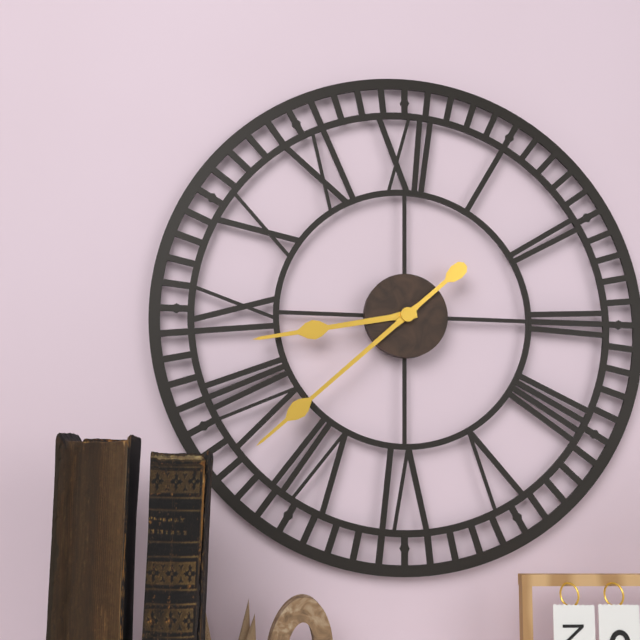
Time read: 8:38
